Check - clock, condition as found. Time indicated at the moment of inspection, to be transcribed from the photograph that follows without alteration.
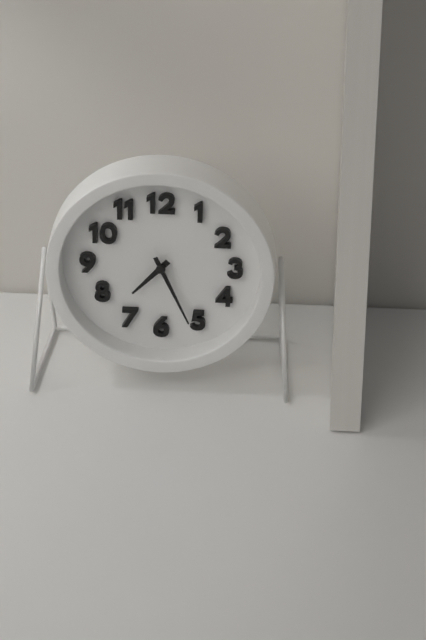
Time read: 7:26
